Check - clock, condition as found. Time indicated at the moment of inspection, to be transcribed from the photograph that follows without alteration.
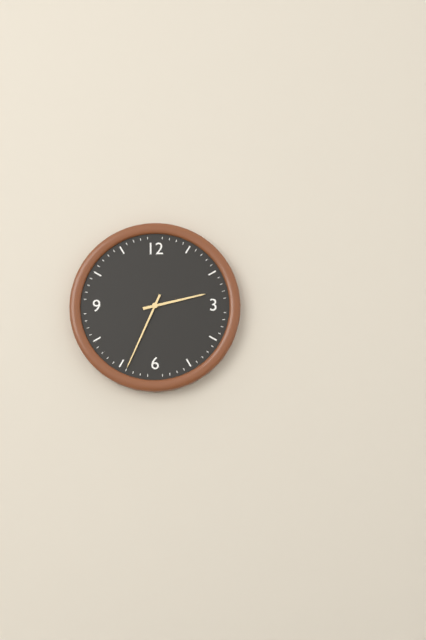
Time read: 2:34
